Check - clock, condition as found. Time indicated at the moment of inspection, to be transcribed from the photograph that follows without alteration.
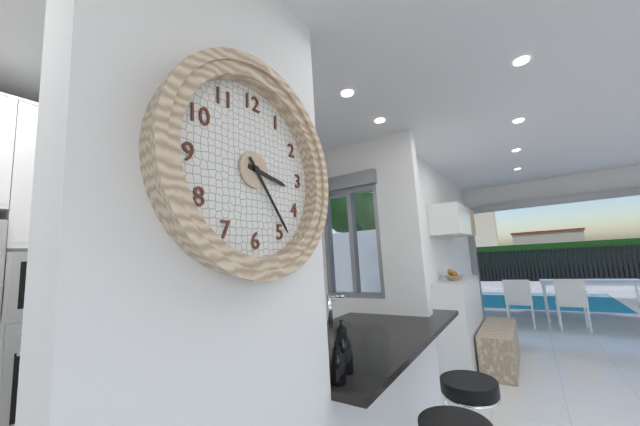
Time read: 3:24
